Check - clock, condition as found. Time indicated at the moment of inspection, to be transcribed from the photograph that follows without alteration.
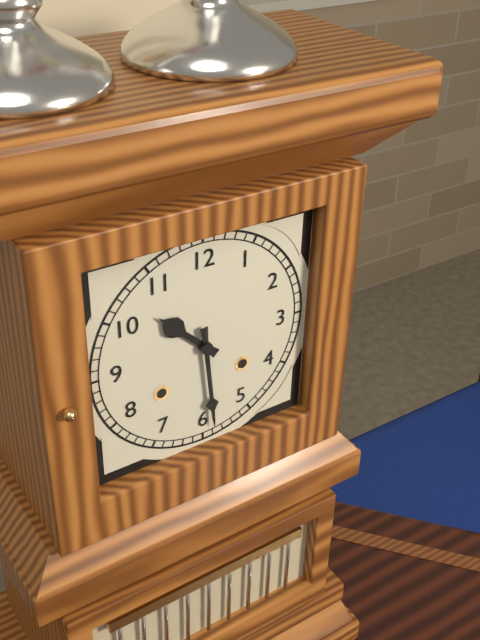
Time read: 10:29
